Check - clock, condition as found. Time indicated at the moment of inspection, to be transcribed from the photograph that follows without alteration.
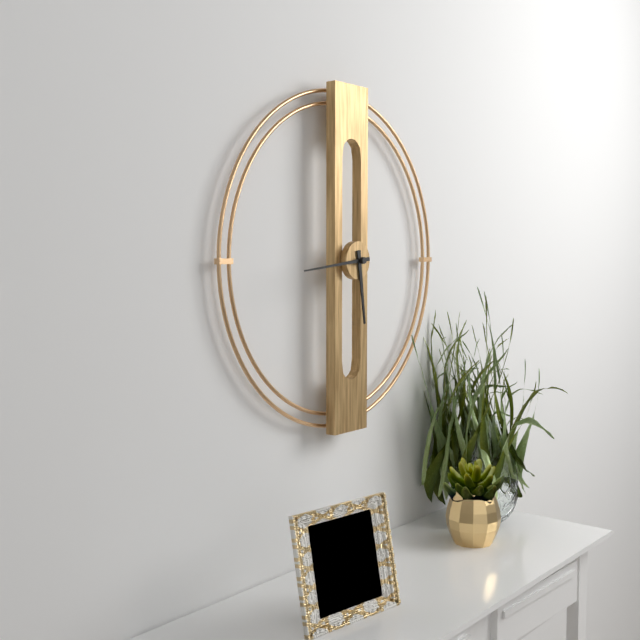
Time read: 5:44
